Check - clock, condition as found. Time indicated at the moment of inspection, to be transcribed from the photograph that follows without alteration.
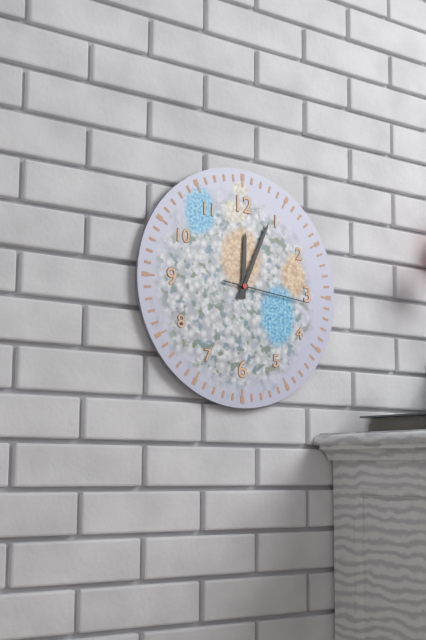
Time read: 12:04:16
